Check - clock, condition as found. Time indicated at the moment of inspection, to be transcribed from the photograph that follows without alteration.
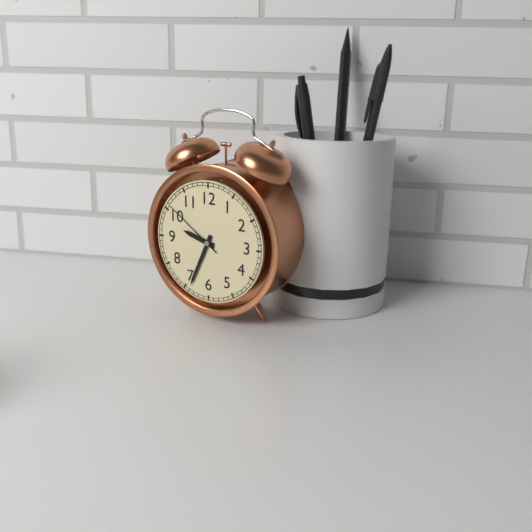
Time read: 9:34:51
